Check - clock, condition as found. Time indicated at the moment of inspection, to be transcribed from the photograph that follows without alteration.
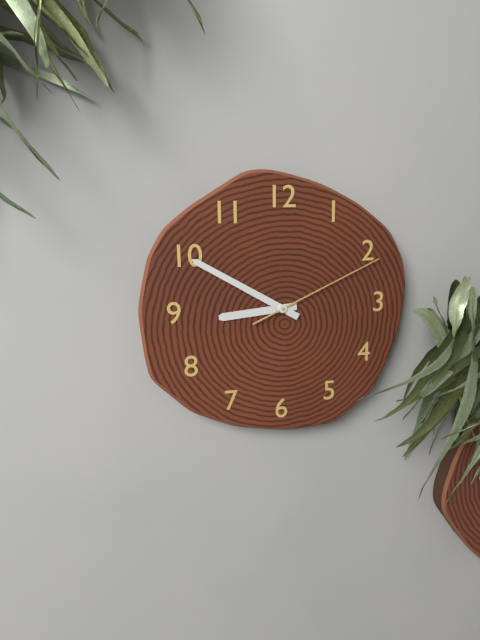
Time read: 8:50:11
